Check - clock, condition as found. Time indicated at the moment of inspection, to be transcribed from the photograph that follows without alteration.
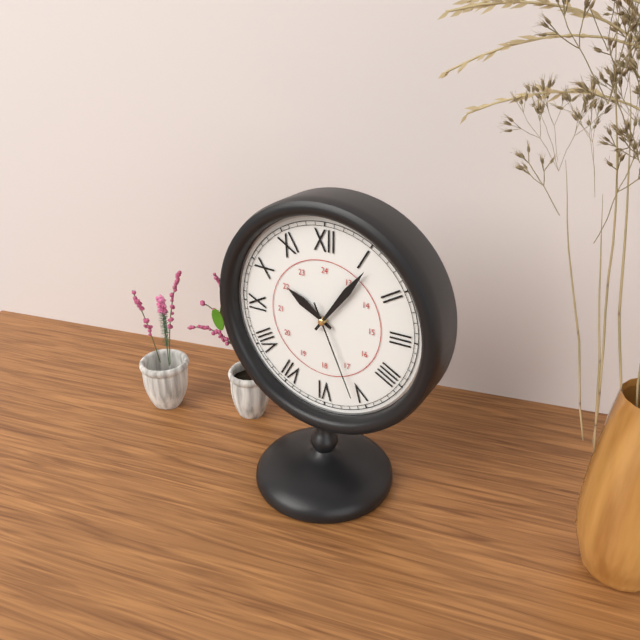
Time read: 10:06:26
